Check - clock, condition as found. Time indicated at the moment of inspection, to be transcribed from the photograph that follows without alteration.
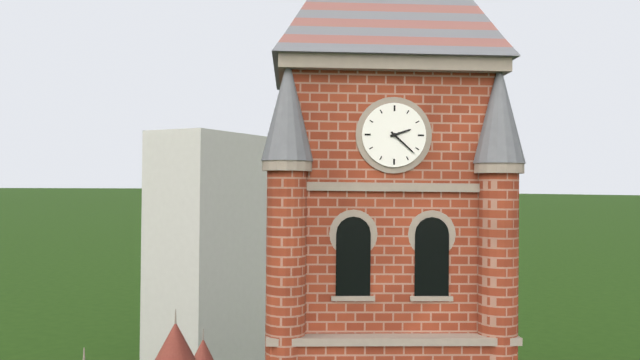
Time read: 2:22
